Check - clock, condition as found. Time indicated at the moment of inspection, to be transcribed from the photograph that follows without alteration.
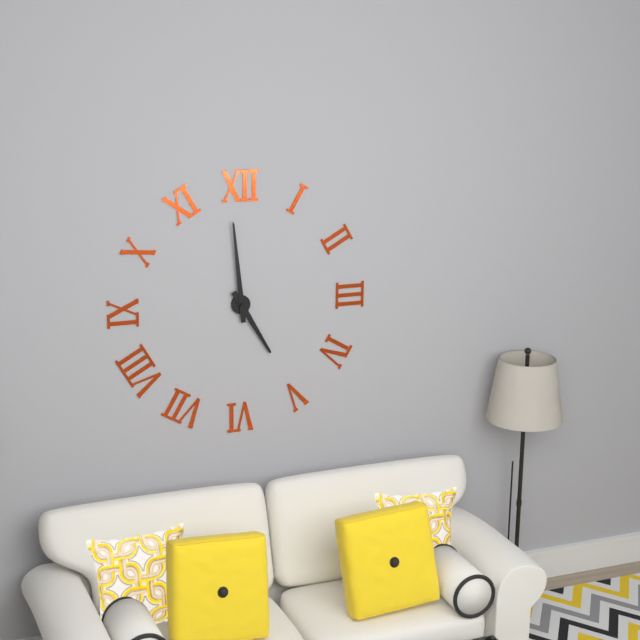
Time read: 4:59
